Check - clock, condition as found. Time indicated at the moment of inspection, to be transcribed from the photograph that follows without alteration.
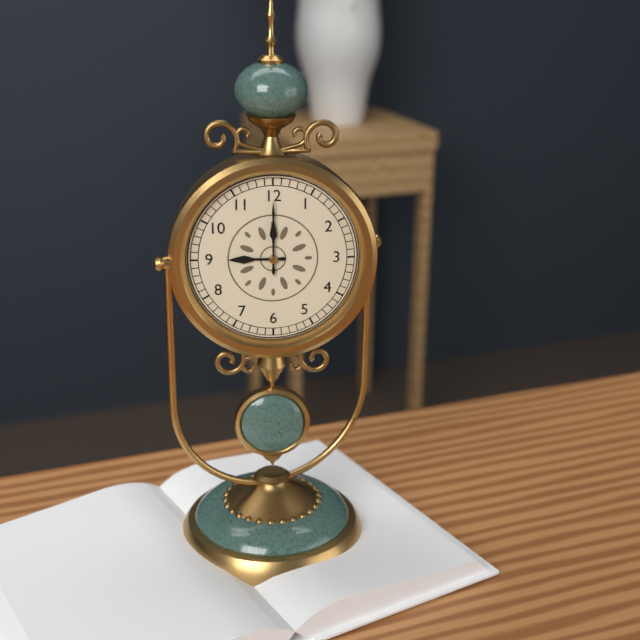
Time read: 9:00
